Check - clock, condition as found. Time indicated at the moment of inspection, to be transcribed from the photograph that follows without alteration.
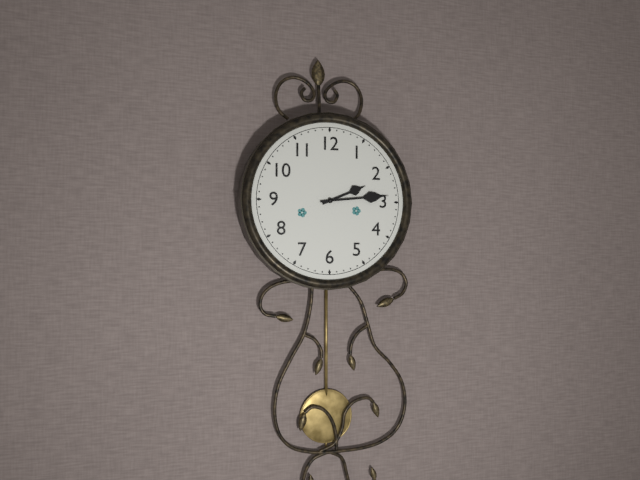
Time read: 2:14
